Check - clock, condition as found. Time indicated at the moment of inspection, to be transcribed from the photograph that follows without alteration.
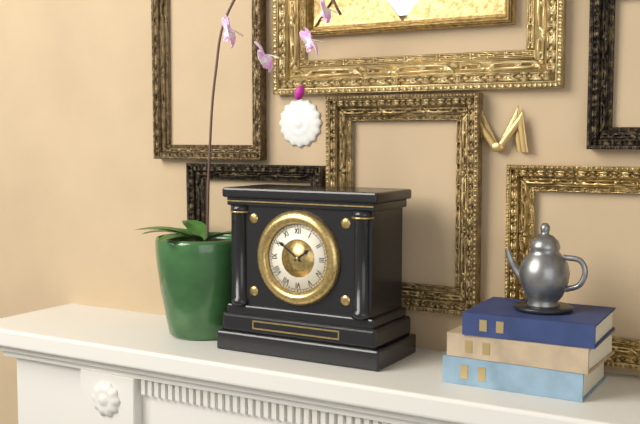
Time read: 1:51
